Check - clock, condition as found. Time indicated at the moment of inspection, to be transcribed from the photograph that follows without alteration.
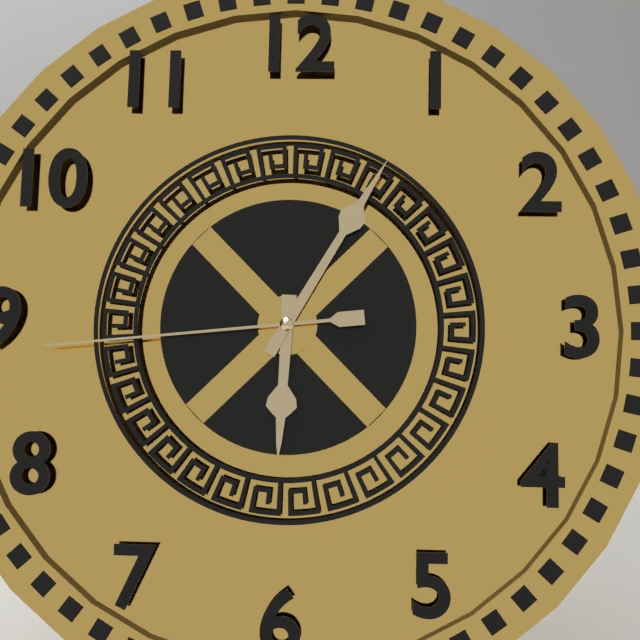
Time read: 6:05:44
